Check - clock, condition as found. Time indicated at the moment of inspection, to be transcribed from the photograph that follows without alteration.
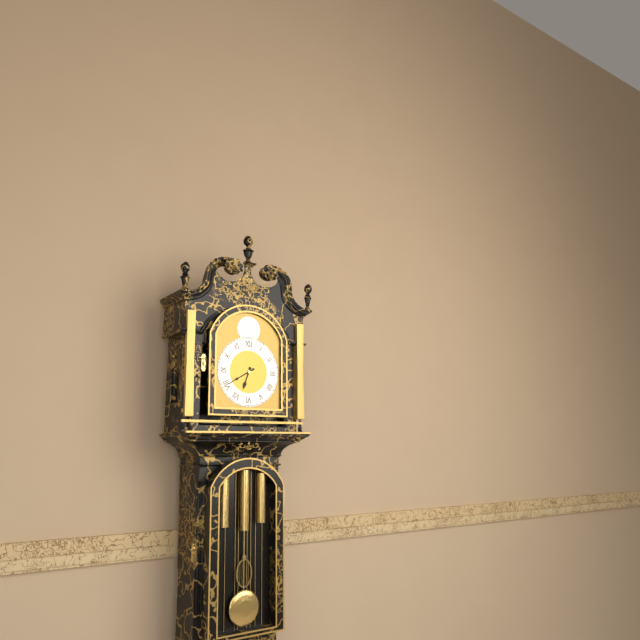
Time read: 6:40
